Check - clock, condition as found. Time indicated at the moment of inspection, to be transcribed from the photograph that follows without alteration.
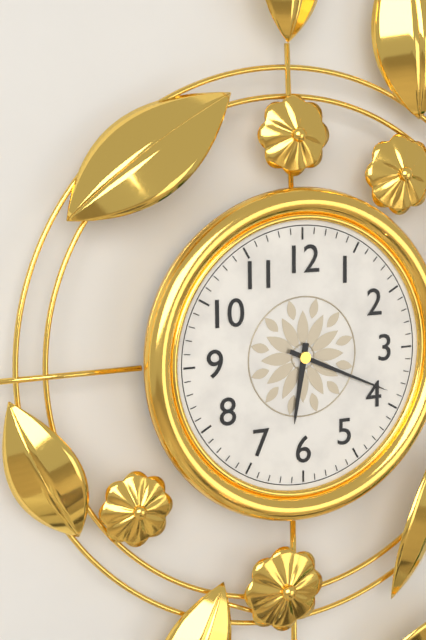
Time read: 6:19
